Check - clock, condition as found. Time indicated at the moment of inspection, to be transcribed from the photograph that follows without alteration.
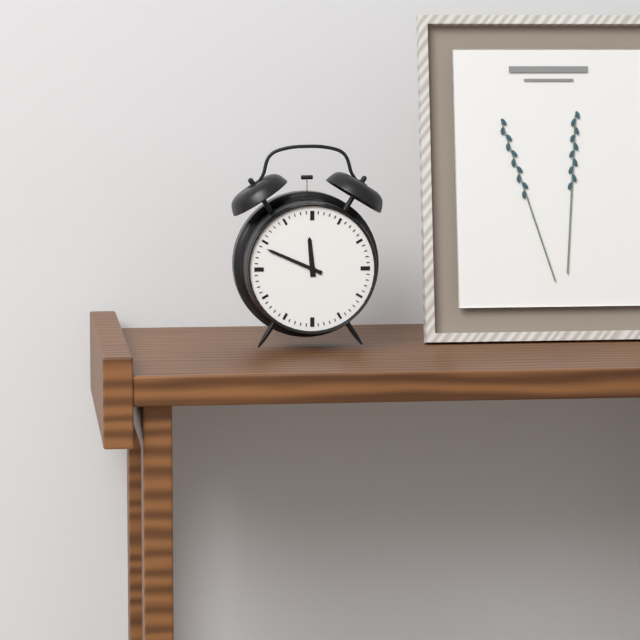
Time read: 11:49
